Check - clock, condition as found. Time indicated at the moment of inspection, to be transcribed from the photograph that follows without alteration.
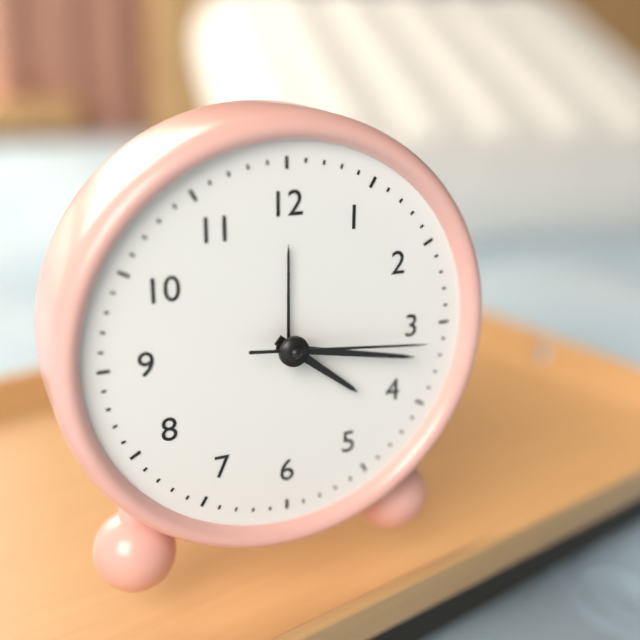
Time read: 4:17:16
